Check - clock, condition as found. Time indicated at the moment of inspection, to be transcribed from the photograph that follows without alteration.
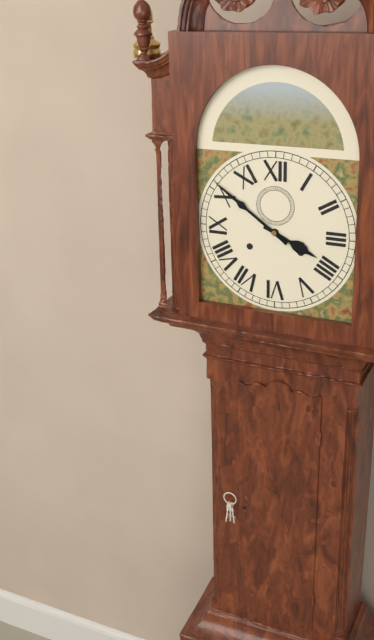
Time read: 3:51
